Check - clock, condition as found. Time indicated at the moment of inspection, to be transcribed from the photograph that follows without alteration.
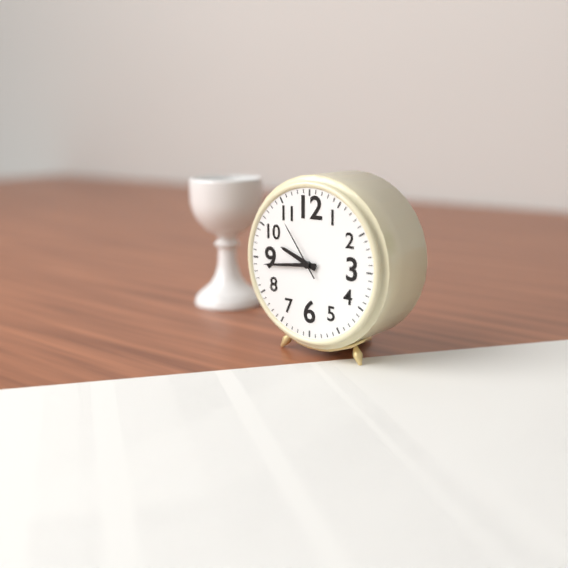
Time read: 9:44:54
